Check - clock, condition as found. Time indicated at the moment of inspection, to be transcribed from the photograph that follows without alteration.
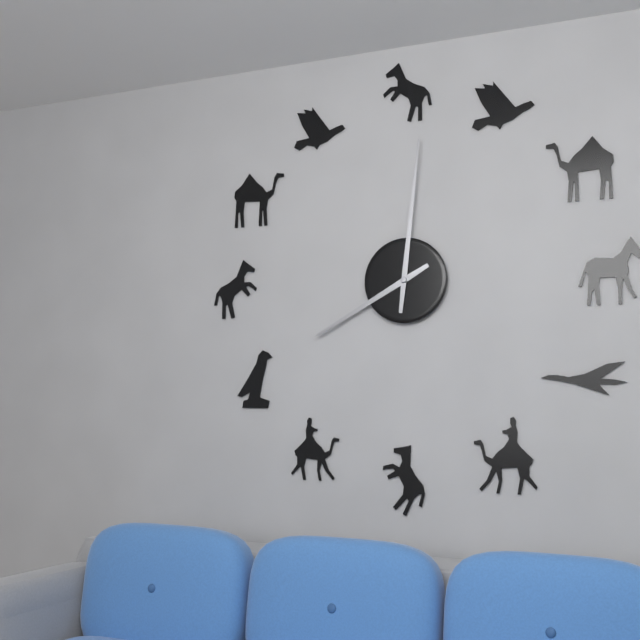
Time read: 8:01
